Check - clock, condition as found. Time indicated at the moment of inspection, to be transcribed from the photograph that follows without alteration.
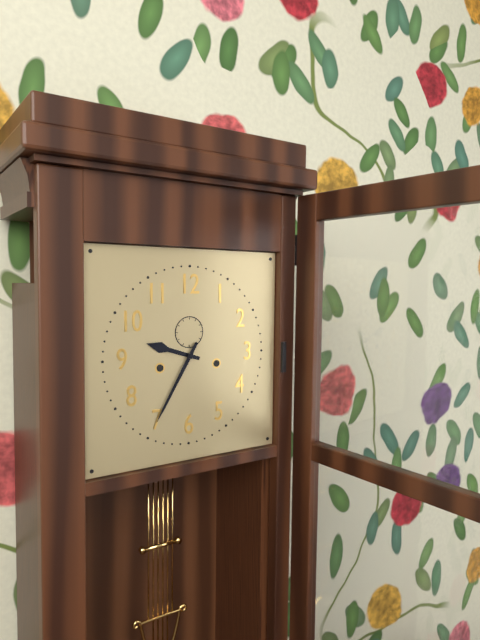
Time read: 9:35
